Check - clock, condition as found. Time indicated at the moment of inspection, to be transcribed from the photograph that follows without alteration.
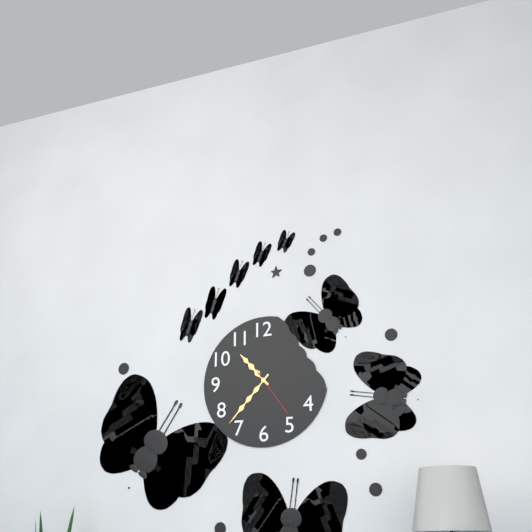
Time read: 10:37:24
